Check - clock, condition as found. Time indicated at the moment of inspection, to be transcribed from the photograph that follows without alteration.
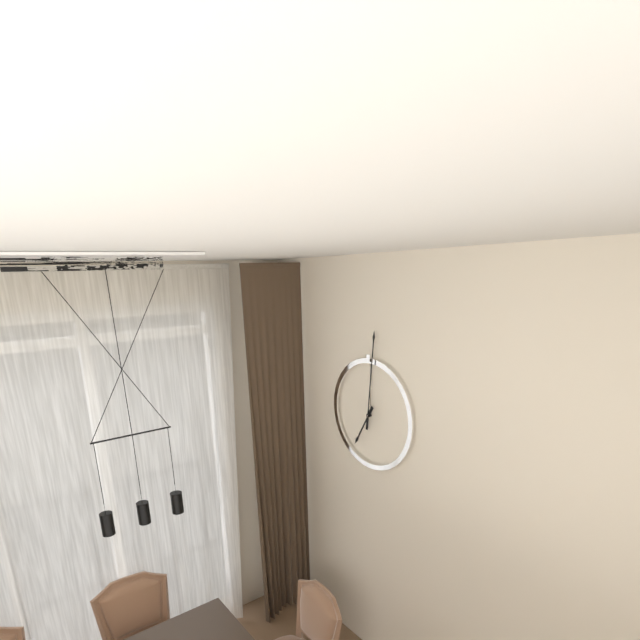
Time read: 7:01
